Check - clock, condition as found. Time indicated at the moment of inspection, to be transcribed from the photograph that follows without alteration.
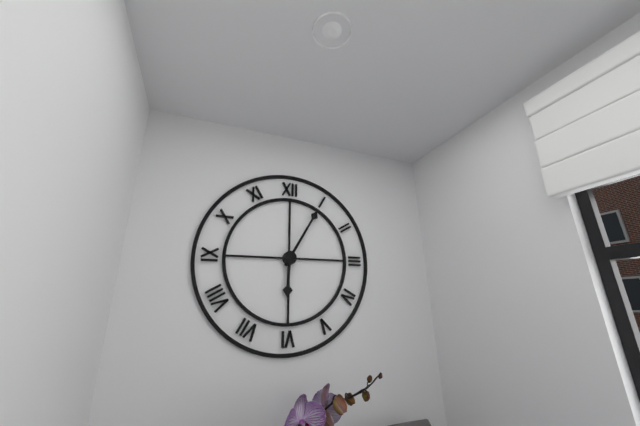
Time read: 6:05
